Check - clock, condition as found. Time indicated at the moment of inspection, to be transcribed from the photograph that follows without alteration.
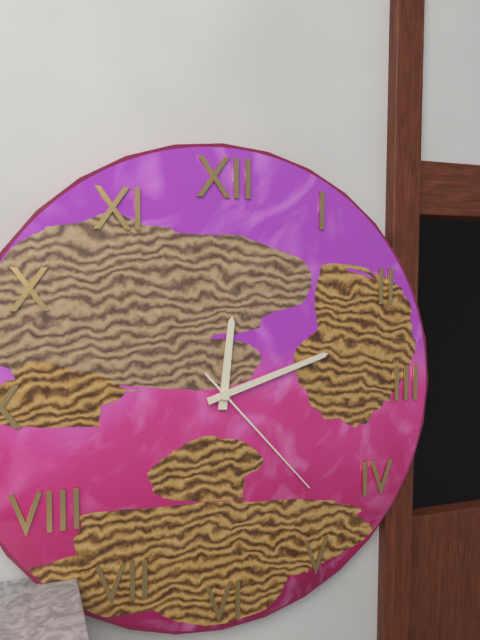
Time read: 12:12:23
